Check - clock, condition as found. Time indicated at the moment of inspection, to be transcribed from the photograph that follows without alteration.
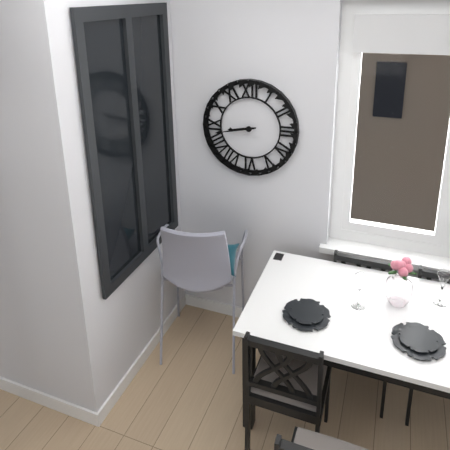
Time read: 8:43
